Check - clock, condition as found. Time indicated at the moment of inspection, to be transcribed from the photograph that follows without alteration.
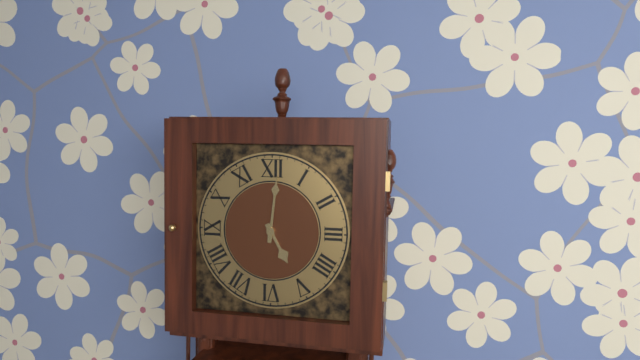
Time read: 5:01
